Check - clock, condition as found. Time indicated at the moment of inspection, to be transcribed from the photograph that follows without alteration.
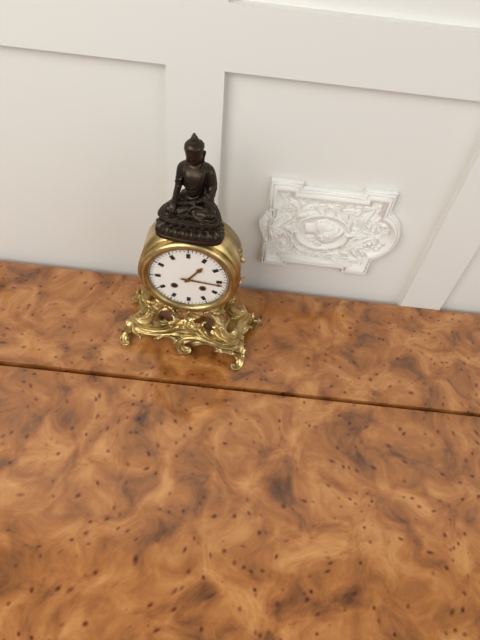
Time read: 1:16
